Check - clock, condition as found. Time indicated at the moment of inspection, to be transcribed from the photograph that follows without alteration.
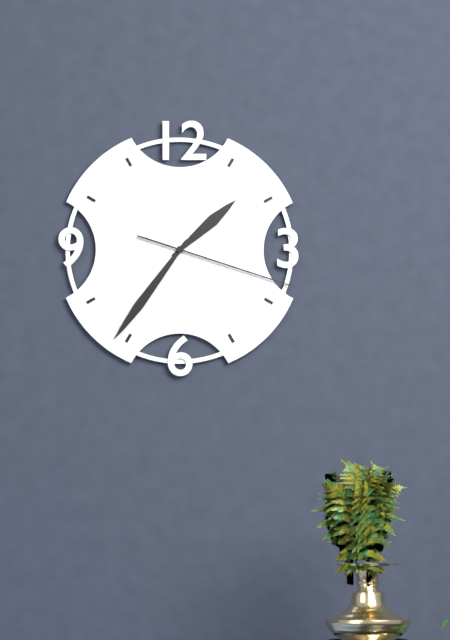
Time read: 1:36:18
